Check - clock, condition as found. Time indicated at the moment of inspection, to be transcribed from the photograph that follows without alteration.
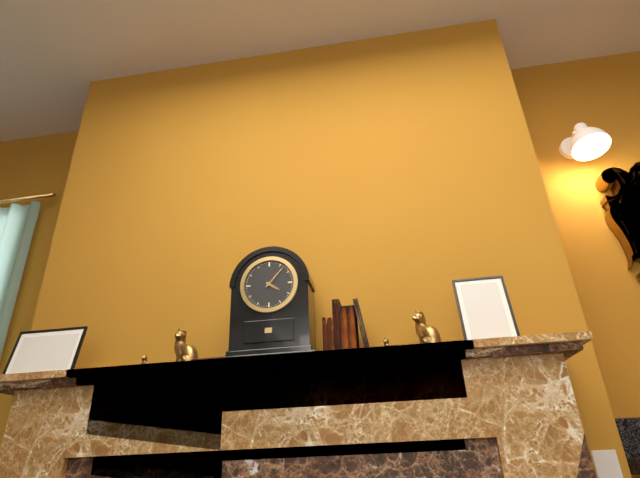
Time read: 4:07
